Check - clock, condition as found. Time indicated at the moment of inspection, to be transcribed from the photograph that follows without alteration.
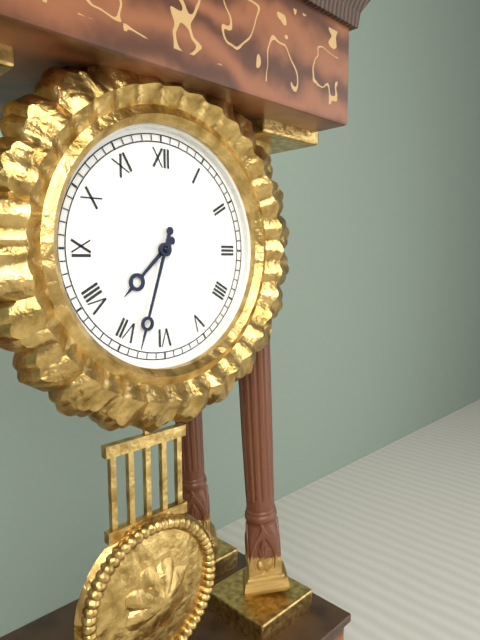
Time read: 7:33
